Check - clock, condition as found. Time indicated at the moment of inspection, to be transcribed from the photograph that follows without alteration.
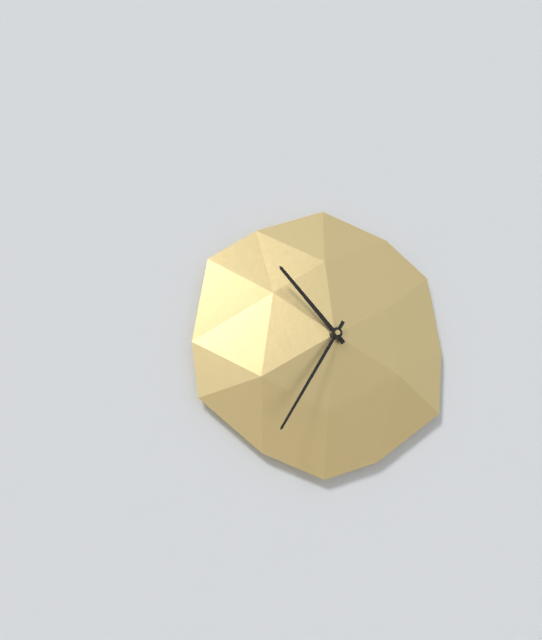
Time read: 10:35
